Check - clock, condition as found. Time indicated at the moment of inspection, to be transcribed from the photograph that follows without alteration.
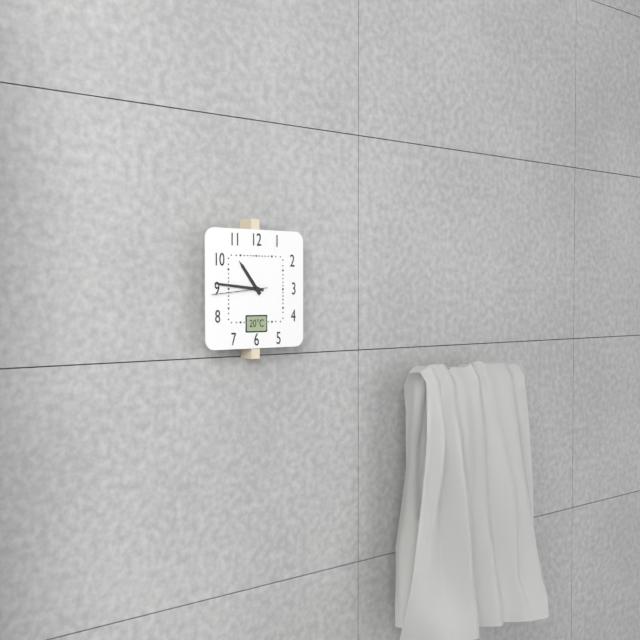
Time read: 10:46:44
